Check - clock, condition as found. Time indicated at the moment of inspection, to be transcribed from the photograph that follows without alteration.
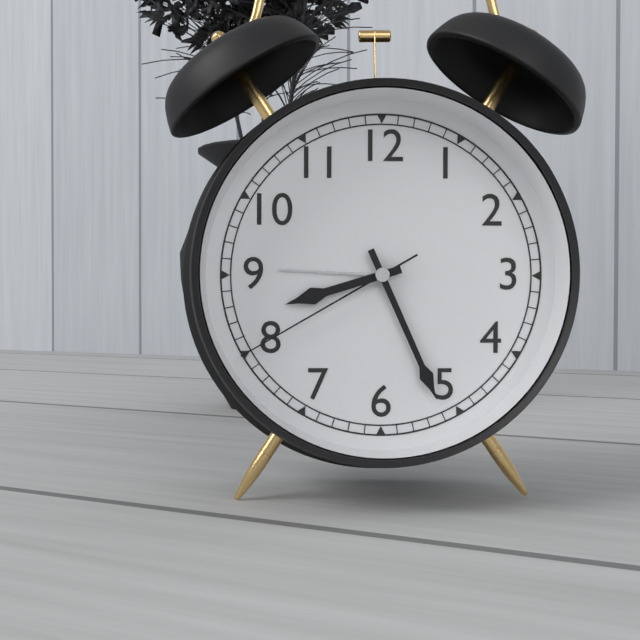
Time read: 8:26:40
